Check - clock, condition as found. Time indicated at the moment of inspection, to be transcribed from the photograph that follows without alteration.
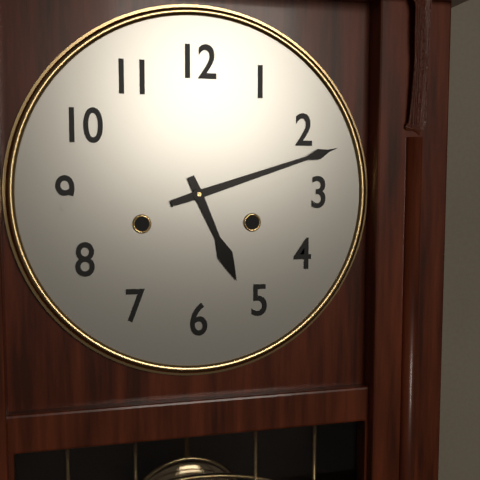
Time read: 5:12
